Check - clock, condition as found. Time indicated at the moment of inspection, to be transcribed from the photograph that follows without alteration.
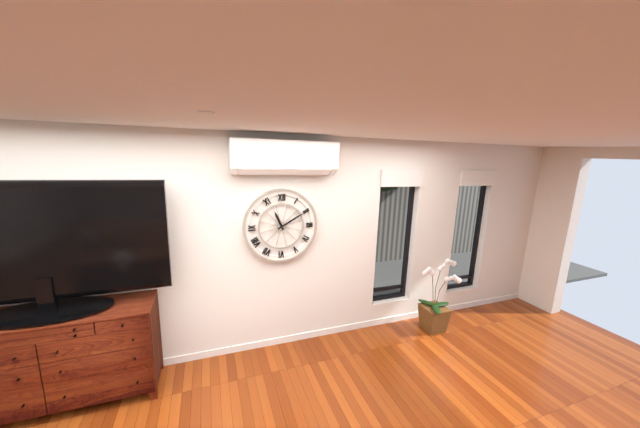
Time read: 11:10
